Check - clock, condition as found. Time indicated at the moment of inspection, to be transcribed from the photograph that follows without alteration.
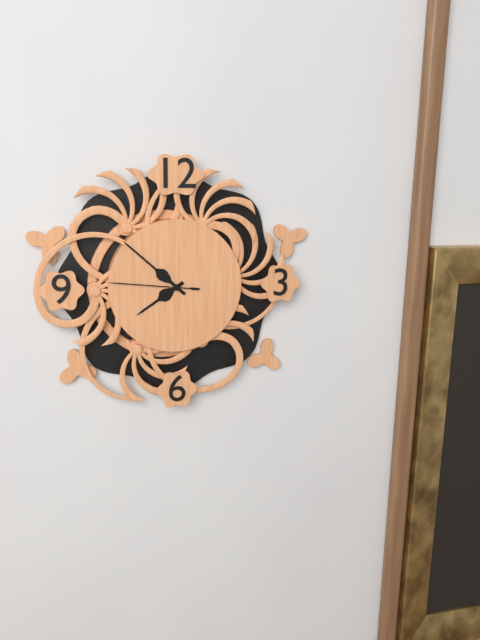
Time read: 7:52:46
